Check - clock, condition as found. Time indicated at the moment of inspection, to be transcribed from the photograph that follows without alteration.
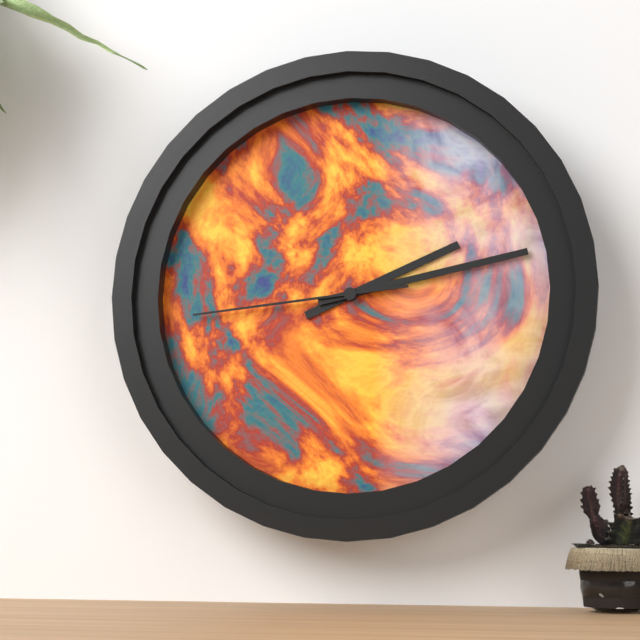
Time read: 2:13:44
